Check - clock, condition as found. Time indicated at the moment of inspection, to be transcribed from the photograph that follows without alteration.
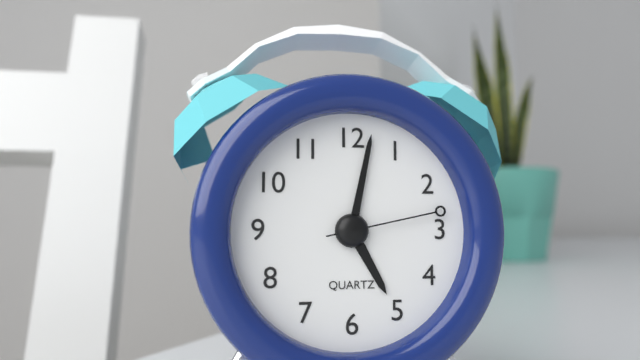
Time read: 5:02:13
